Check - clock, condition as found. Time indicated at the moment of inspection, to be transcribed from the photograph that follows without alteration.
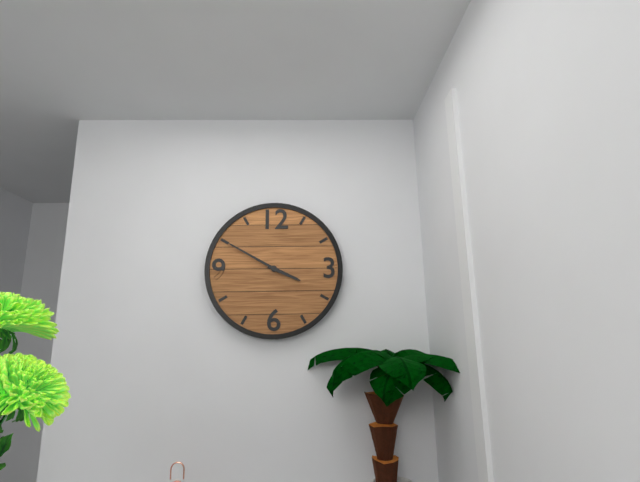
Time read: 3:50
